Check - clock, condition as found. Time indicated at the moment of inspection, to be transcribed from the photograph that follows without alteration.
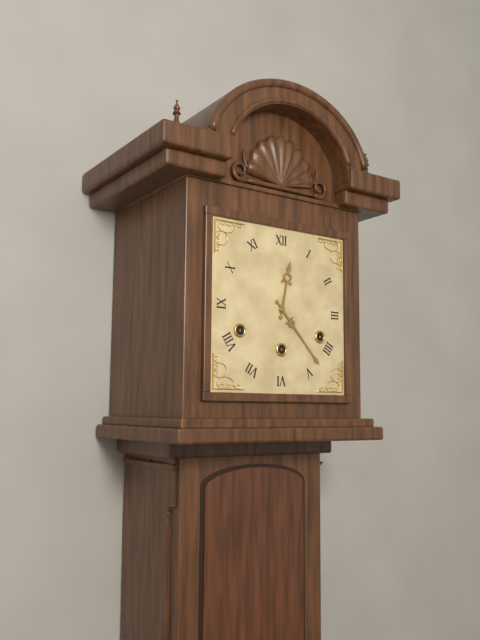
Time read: 12:23
